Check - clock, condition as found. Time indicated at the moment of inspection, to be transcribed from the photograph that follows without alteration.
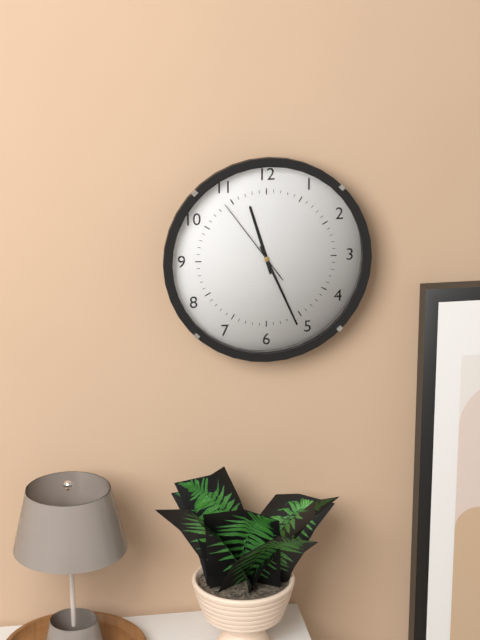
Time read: 11:26:54
